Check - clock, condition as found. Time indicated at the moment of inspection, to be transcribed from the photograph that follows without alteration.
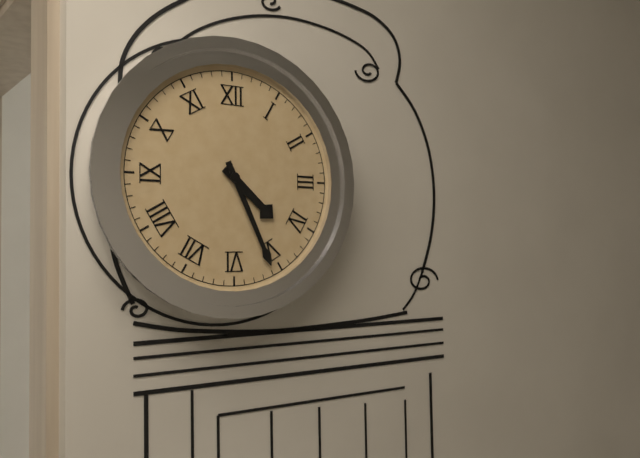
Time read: 4:26
